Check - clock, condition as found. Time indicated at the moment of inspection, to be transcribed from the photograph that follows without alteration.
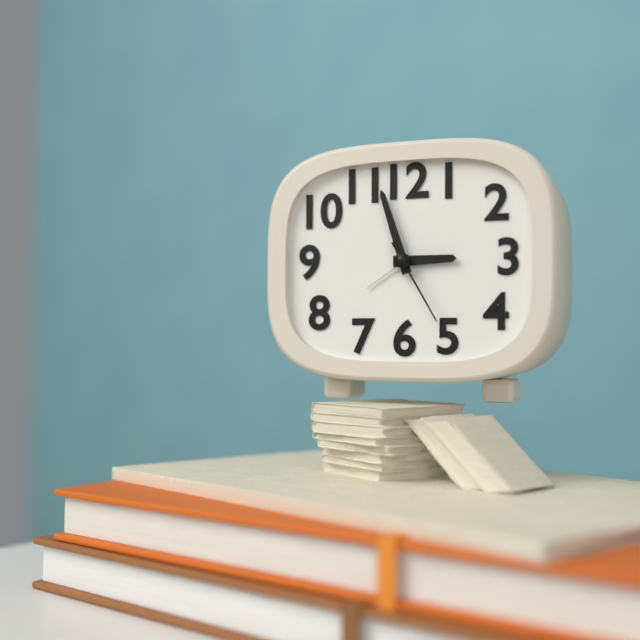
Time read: 2:57:25
